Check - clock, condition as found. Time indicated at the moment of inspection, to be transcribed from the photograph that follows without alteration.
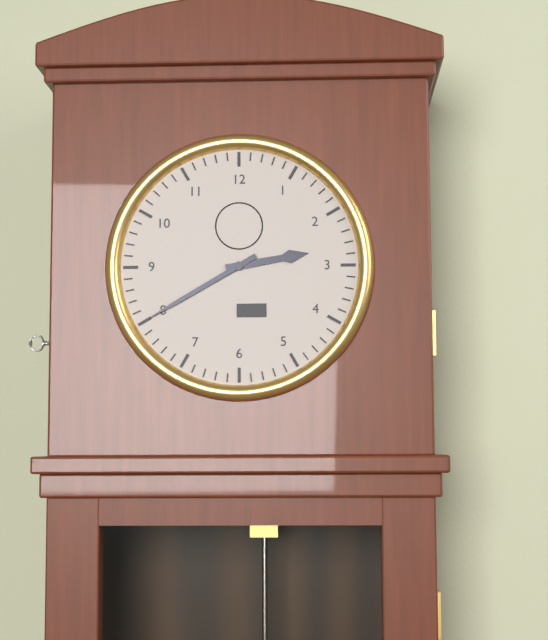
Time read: 2:40
